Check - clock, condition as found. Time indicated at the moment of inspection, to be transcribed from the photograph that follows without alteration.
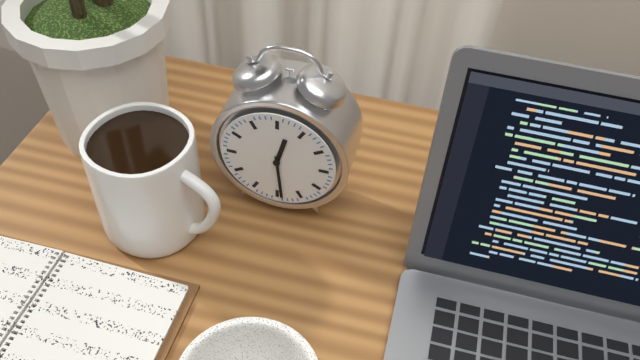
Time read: 12:29
